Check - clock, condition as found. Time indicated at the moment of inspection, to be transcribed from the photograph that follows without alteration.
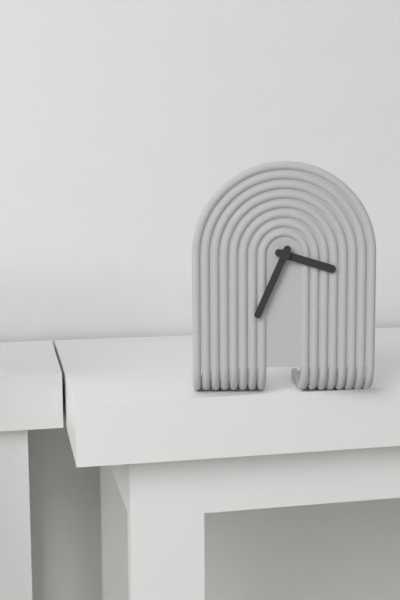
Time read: 3:34
